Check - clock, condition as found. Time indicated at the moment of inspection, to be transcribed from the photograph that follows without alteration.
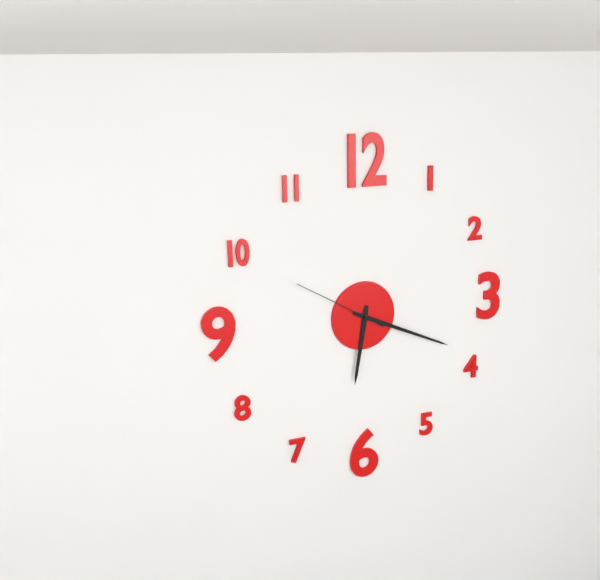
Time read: 6:19:50
